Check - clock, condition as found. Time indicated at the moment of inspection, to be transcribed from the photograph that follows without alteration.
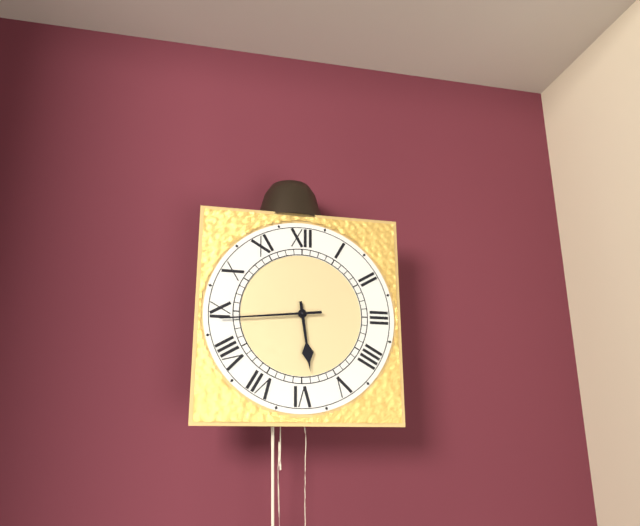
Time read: 5:44
